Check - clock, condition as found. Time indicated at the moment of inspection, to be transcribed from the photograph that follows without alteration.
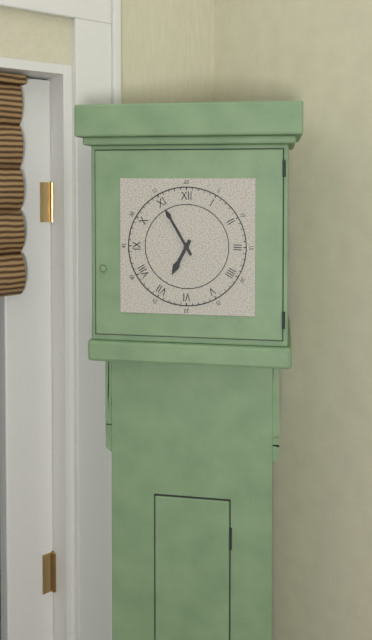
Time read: 6:55
